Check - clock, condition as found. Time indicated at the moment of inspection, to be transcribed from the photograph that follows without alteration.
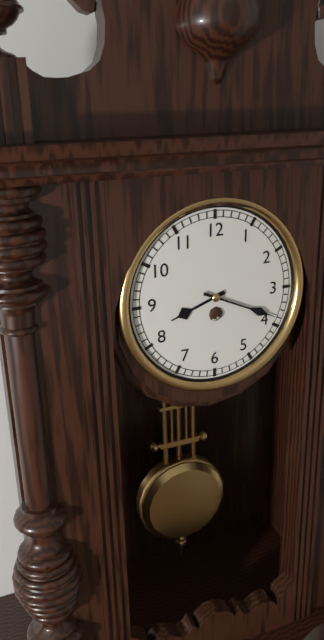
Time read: 8:19
